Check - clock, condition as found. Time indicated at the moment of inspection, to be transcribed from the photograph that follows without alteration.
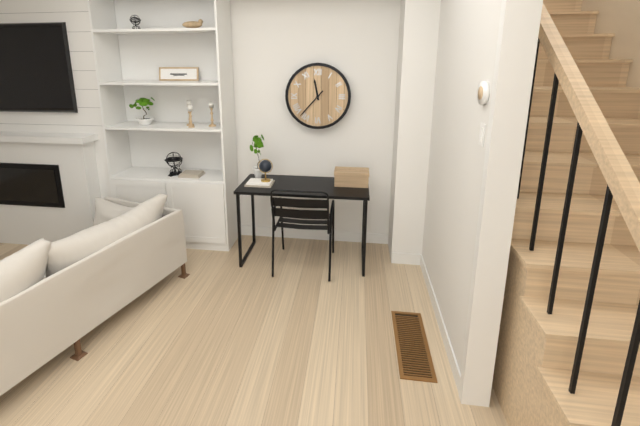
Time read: 11:37
